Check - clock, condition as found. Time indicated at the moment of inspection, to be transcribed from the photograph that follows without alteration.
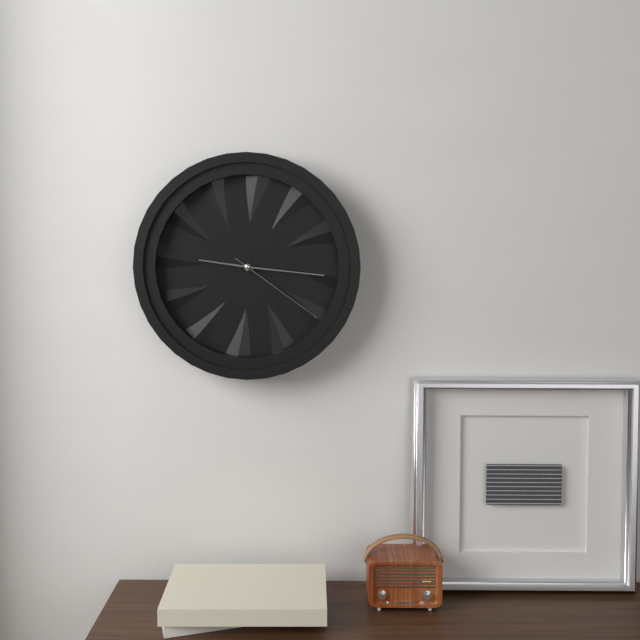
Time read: 9:16:21
